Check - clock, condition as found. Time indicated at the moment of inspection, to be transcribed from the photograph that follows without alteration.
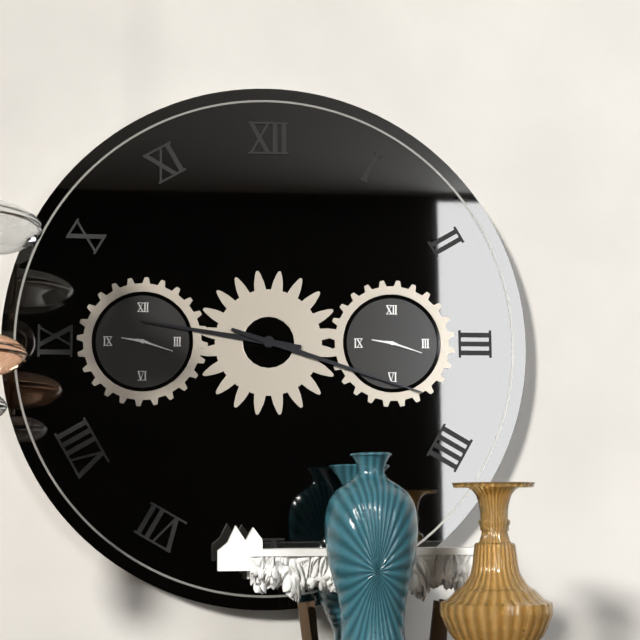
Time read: 9:18
